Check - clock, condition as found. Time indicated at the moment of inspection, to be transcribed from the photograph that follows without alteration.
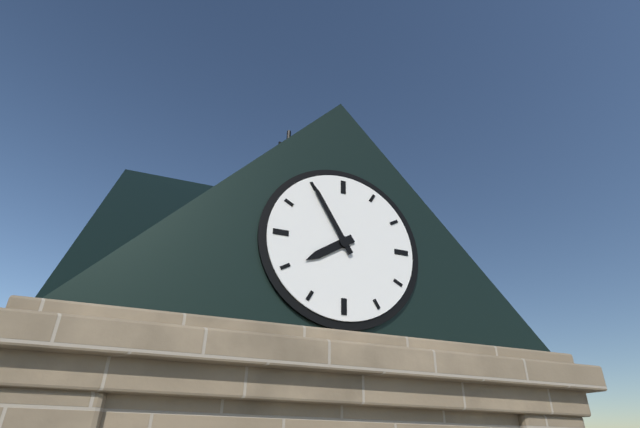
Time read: 7:55
